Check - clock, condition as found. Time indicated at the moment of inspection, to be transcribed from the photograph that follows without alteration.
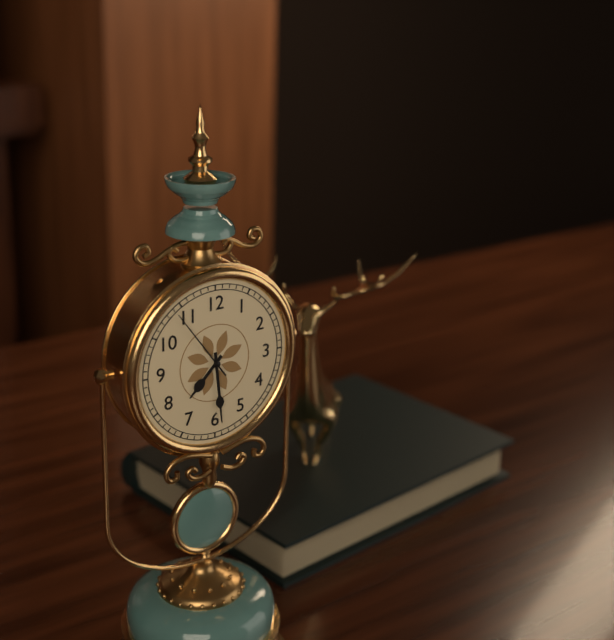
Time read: 7:29:54
